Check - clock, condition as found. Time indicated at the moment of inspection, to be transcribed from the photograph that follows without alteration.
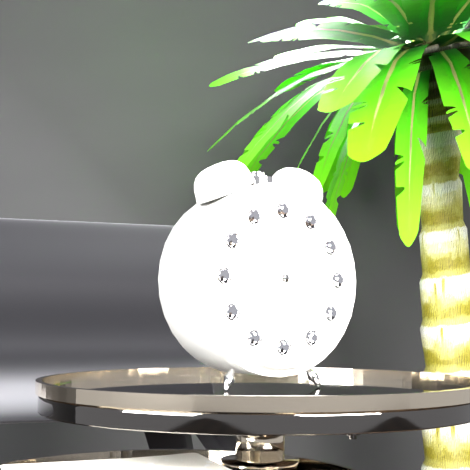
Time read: 12:47:40
